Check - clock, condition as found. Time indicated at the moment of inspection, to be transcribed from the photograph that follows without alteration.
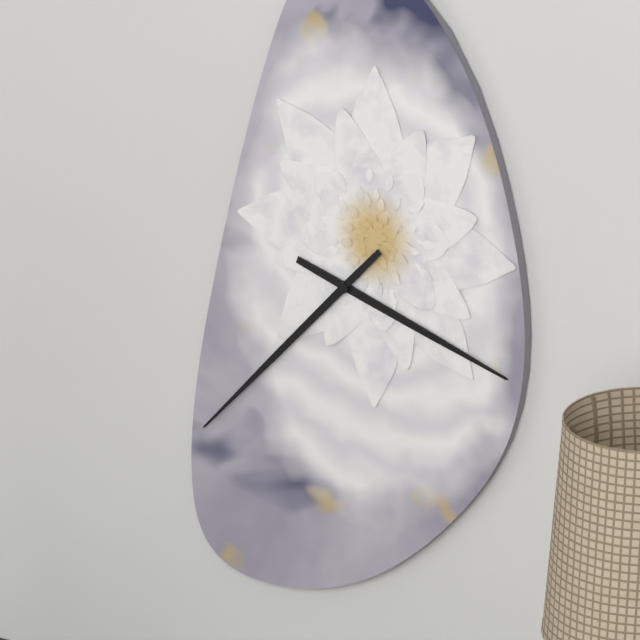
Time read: 3:37
